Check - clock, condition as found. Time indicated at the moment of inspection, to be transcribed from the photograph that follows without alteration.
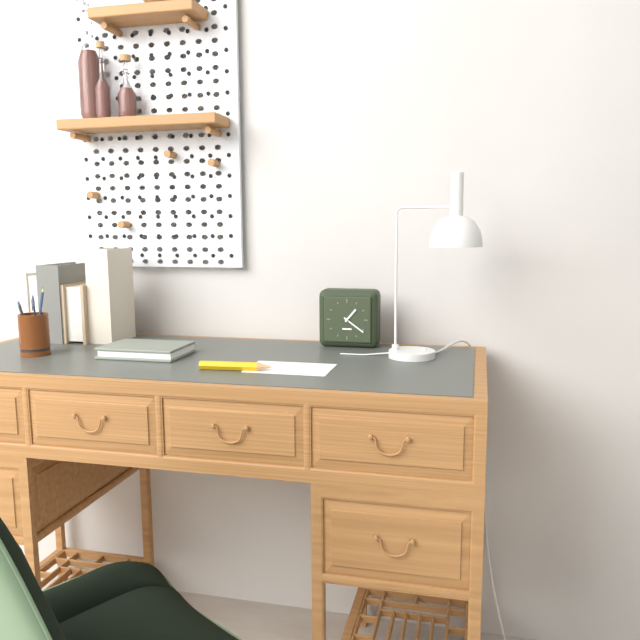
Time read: 1:21
